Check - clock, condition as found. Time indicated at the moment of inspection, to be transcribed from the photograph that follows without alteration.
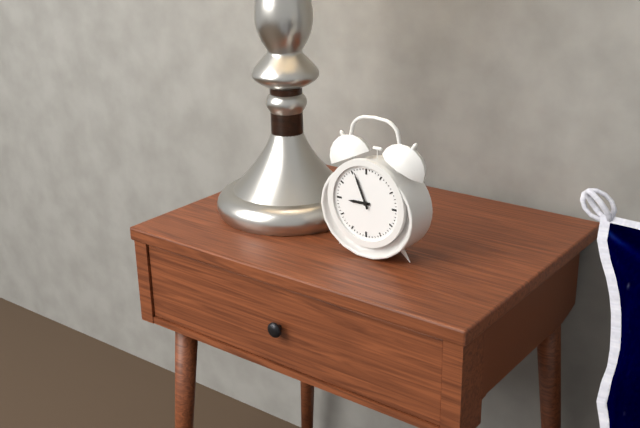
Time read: 8:56
